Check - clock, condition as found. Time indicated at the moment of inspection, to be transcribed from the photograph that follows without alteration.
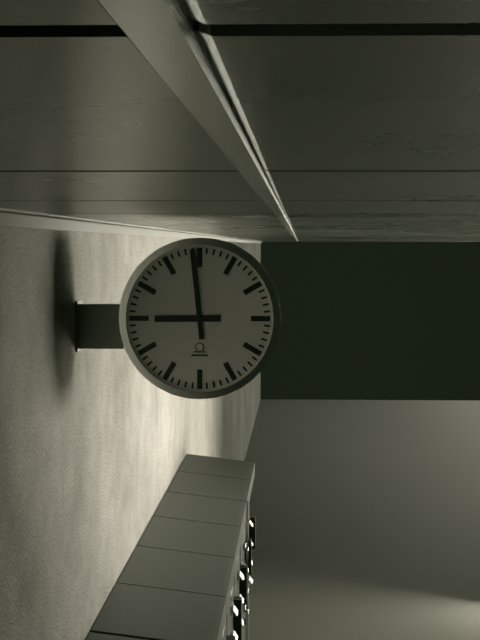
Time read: 8:59
